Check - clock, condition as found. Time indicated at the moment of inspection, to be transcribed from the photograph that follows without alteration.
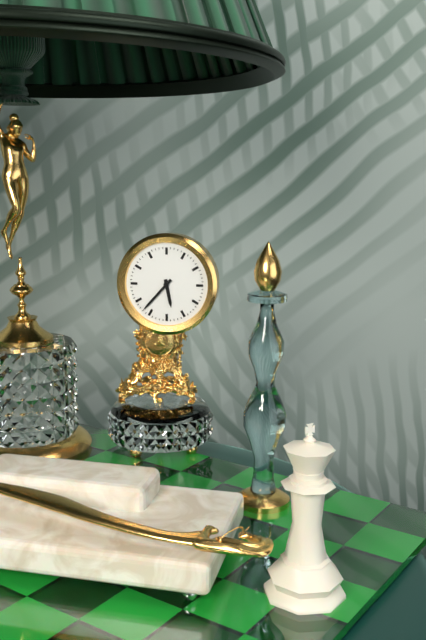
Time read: 5:37
